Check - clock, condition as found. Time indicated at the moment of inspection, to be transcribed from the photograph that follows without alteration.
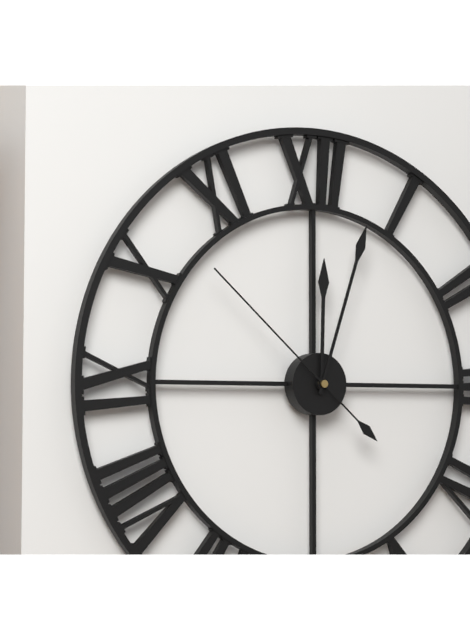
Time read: 12:03:52
